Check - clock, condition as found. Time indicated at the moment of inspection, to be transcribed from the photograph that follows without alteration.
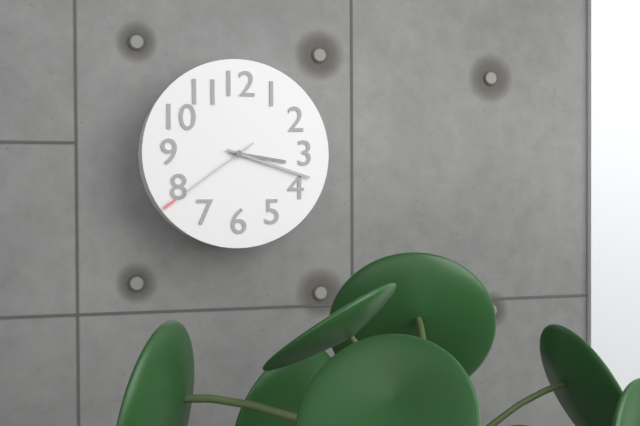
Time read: 3:18:39
